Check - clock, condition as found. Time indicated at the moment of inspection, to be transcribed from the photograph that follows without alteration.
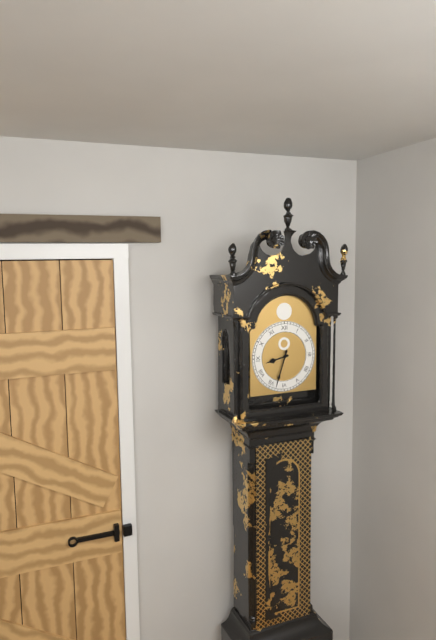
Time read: 8:33
